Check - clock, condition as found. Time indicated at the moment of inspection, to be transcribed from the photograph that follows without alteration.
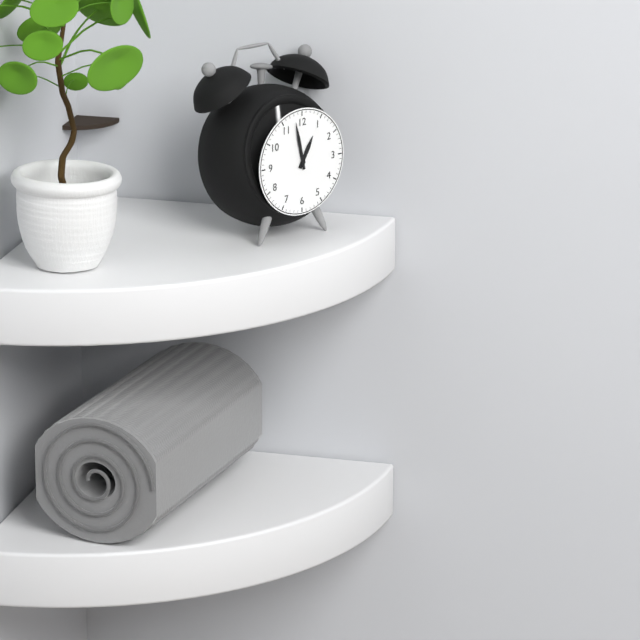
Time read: 12:58
